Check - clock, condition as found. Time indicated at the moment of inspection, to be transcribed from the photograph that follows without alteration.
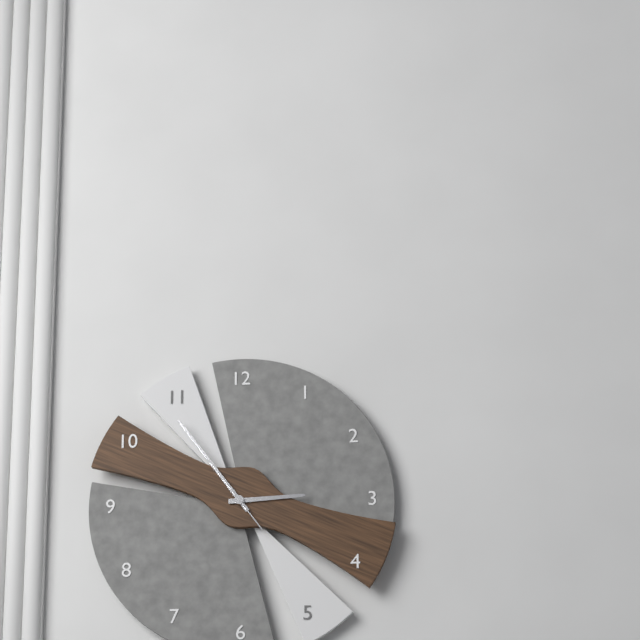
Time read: 2:54:54
